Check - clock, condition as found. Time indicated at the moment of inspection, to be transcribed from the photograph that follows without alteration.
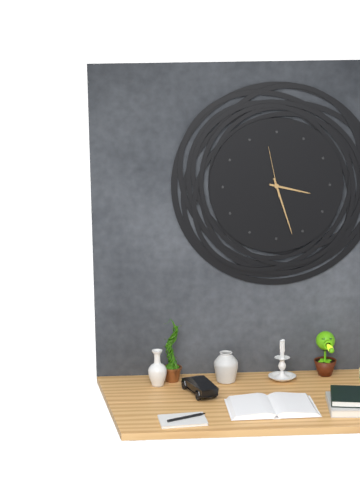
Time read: 3:27:58
